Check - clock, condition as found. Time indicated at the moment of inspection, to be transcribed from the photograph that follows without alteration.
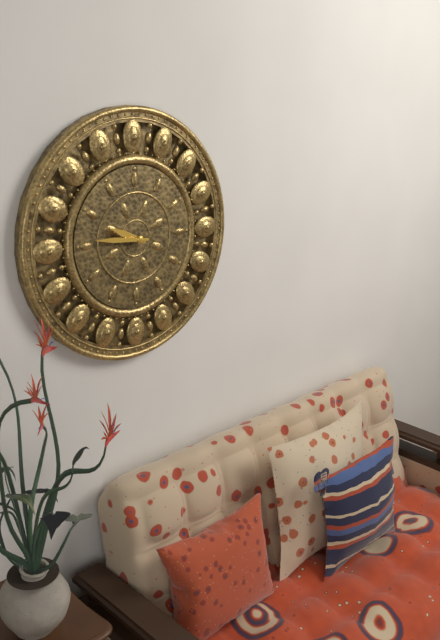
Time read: 9:46
